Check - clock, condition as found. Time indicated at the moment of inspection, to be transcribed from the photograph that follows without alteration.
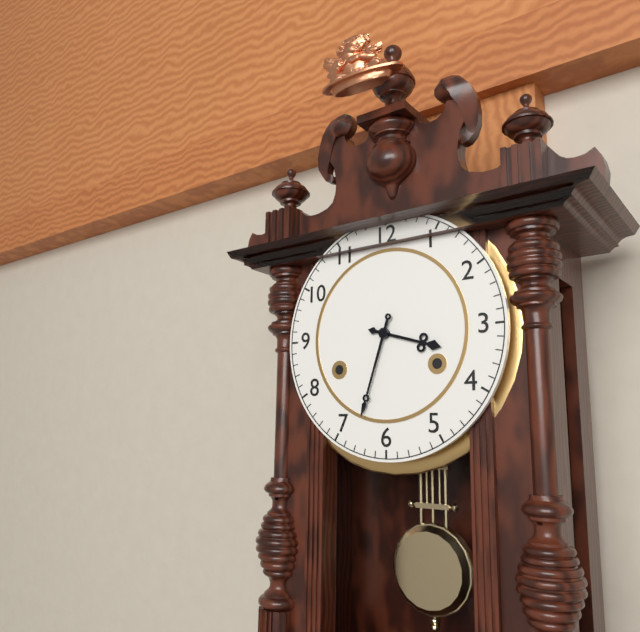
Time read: 3:33
